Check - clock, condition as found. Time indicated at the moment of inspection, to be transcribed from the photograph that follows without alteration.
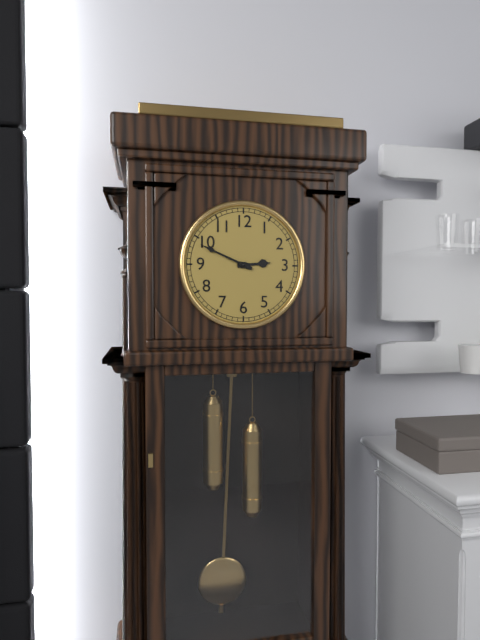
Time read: 2:49
